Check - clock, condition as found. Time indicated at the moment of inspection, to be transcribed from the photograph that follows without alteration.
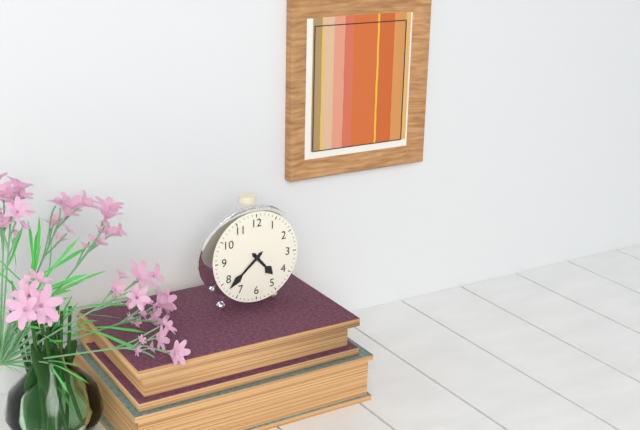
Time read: 4:38
